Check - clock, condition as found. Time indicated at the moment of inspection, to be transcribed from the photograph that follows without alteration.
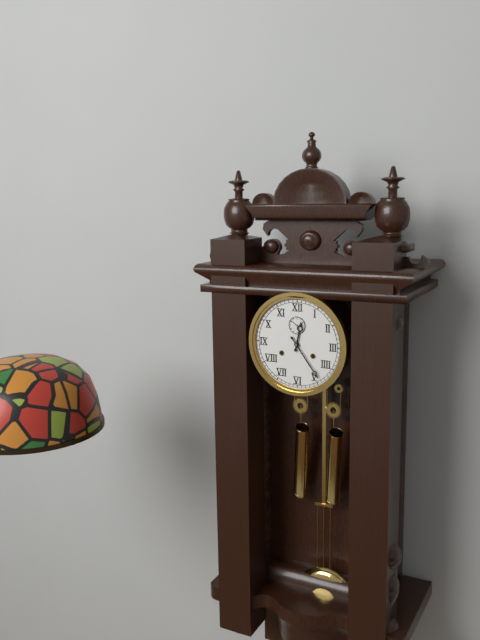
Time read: 12:24
